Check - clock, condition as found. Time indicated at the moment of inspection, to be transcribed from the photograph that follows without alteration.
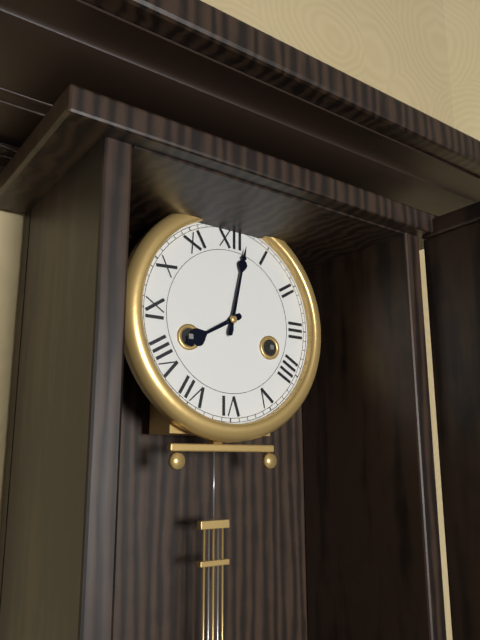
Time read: 8:02
